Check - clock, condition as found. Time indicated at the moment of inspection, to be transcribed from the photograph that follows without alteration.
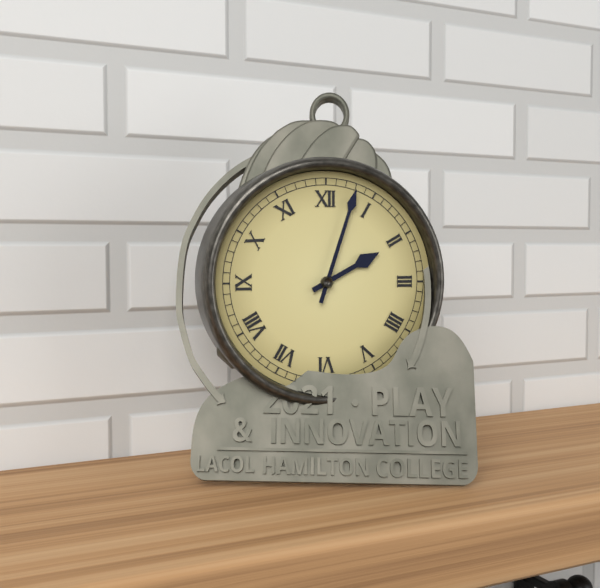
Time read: 2:03
